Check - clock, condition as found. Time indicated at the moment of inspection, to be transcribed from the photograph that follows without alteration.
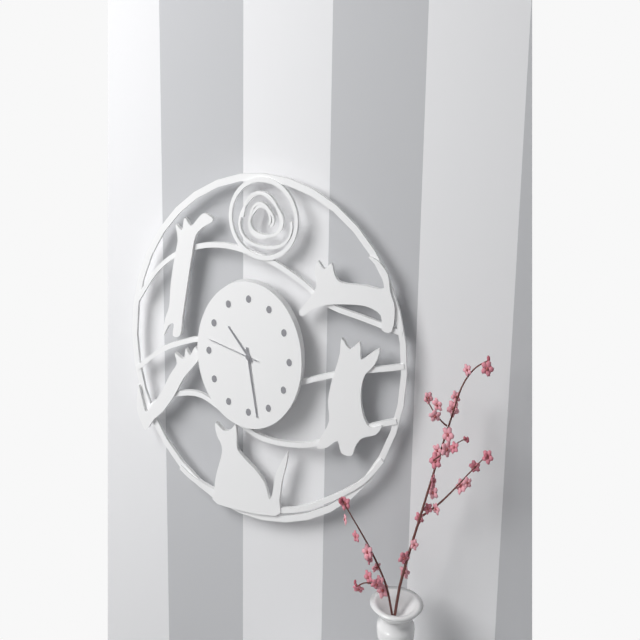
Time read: 10:28:47
